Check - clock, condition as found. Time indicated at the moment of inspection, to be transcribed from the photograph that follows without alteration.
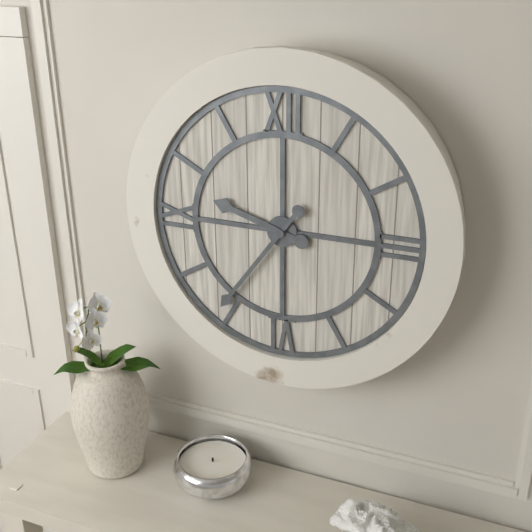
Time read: 9:36
